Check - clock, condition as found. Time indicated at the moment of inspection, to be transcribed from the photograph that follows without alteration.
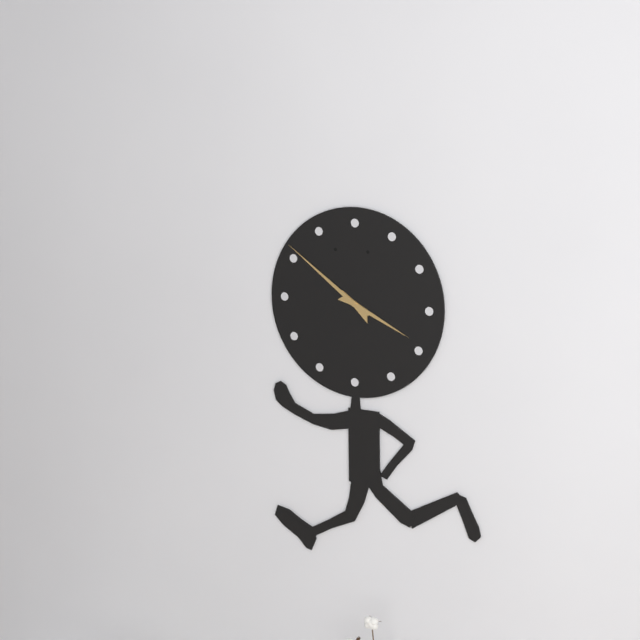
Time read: 3:51
